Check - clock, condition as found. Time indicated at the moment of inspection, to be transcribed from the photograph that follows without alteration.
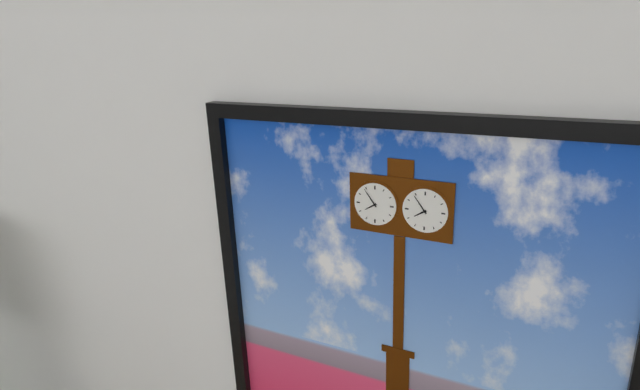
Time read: 7:54
